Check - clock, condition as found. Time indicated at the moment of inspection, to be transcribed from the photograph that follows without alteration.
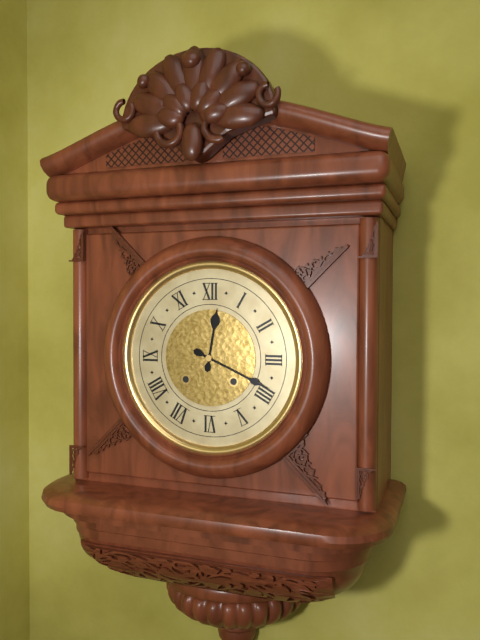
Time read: 12:19
